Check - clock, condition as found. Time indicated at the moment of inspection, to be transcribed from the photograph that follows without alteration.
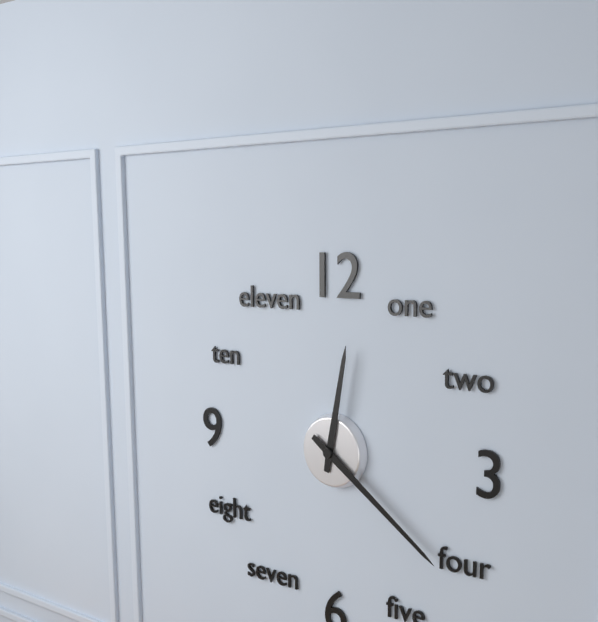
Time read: 12:21
